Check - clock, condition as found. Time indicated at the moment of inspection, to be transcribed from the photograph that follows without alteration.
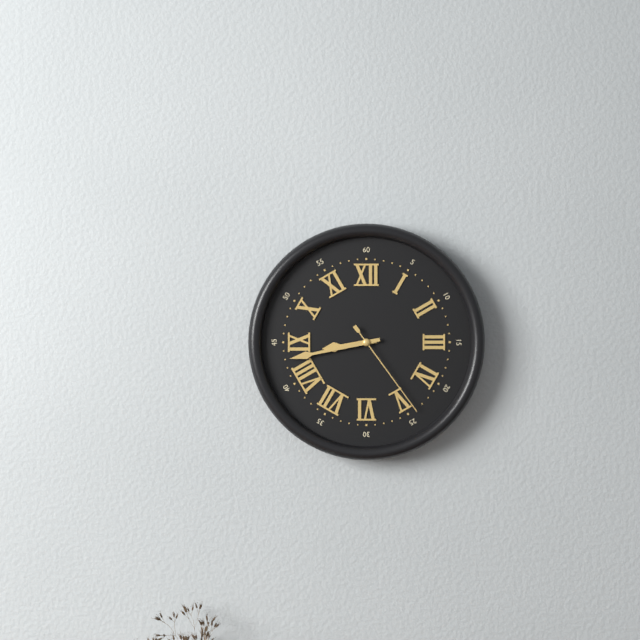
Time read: 8:43:24
